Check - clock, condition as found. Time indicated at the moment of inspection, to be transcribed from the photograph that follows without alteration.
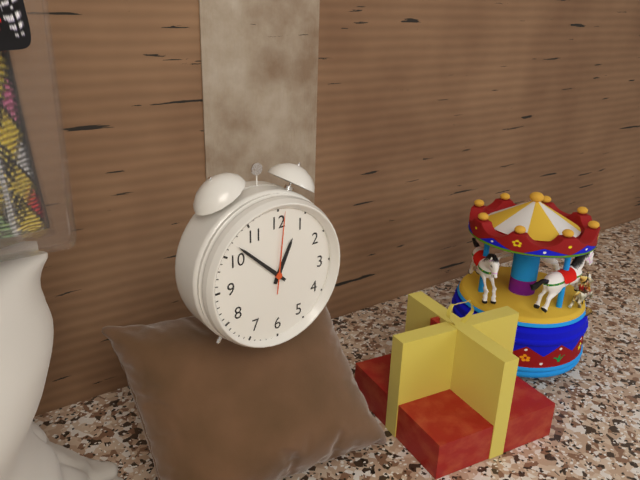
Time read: 12:52:01
